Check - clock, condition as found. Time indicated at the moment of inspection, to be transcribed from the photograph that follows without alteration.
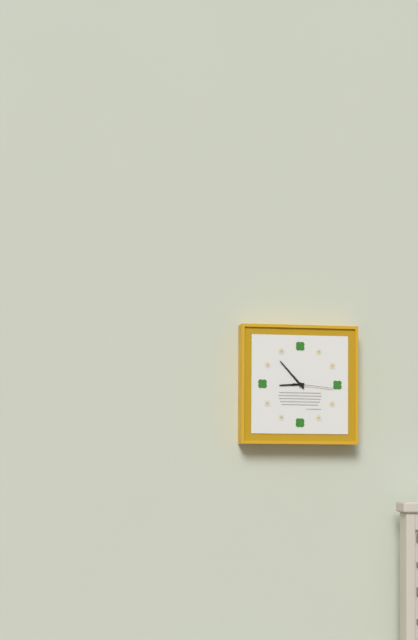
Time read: 8:53
